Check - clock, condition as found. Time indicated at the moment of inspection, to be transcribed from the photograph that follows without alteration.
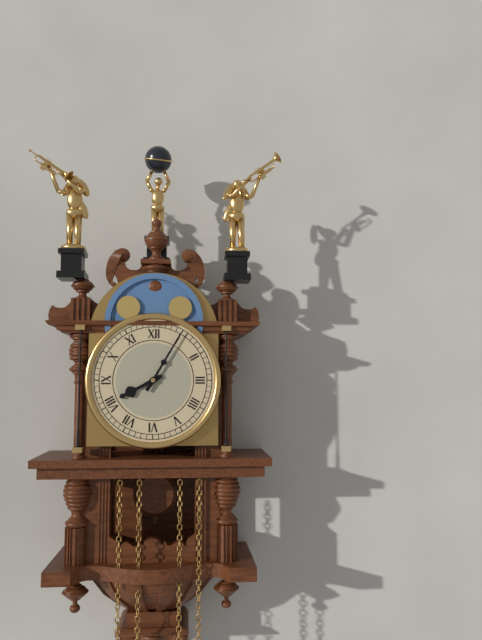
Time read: 8:05
